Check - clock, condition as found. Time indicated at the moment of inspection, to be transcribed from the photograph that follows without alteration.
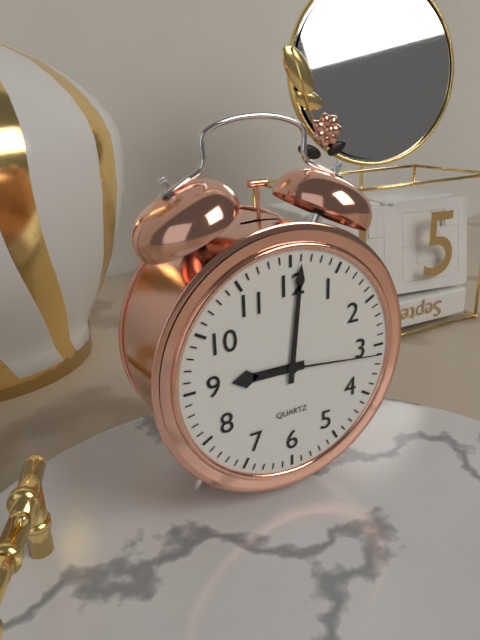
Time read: 9:01:16
